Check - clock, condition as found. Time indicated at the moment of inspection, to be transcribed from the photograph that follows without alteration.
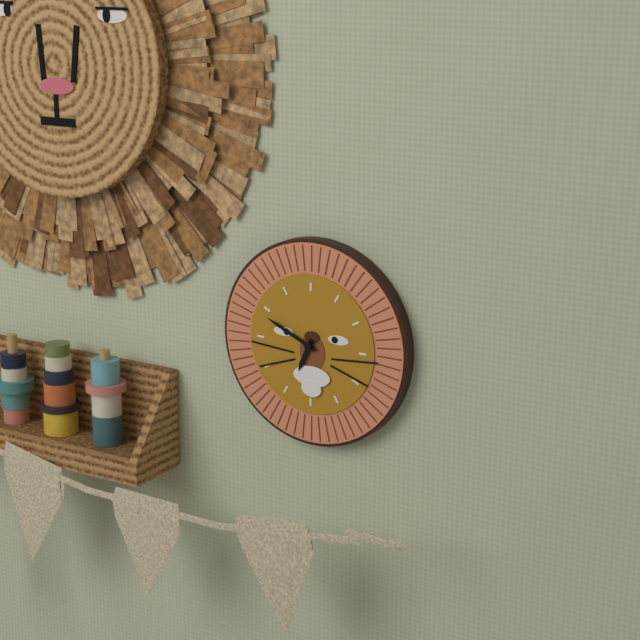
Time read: 6:49
